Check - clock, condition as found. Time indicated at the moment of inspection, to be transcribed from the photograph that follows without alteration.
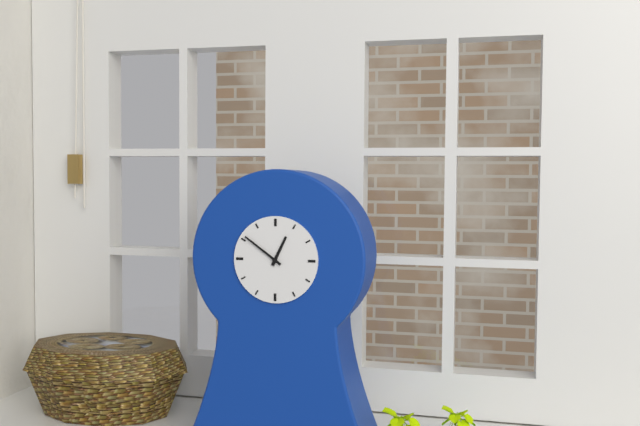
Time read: 12:51
